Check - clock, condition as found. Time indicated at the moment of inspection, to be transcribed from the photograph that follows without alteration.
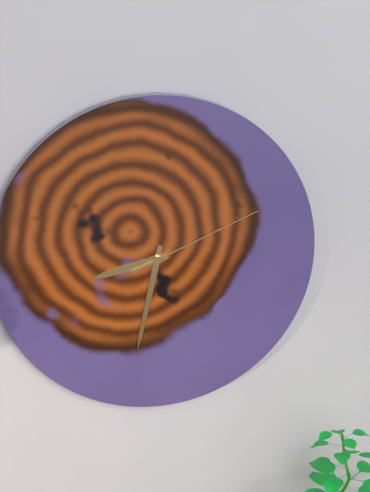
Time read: 8:32:11
